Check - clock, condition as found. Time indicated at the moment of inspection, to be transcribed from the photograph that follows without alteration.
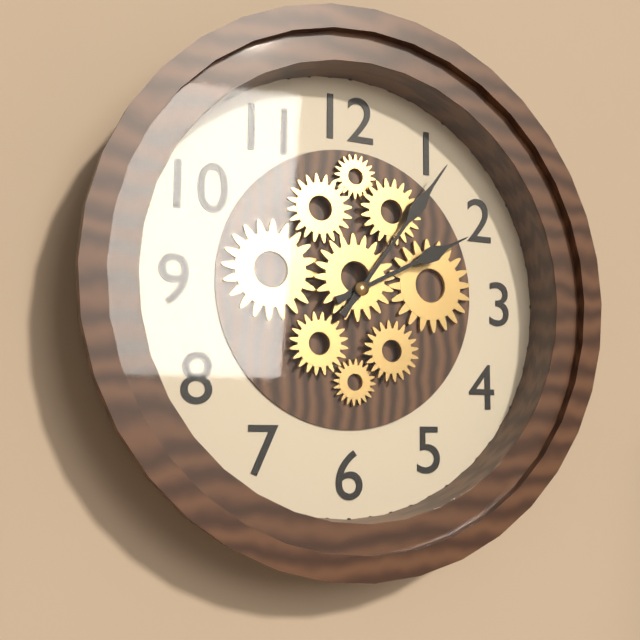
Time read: 2:06
